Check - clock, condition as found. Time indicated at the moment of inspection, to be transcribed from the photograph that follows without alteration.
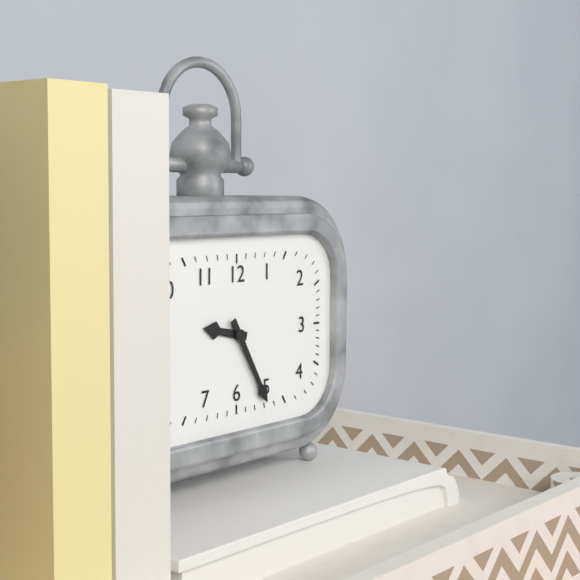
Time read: 9:25
